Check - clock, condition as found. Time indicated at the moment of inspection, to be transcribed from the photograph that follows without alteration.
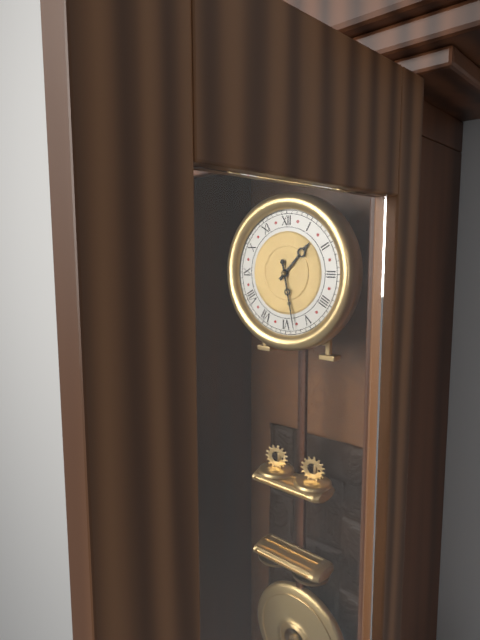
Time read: 1:28
